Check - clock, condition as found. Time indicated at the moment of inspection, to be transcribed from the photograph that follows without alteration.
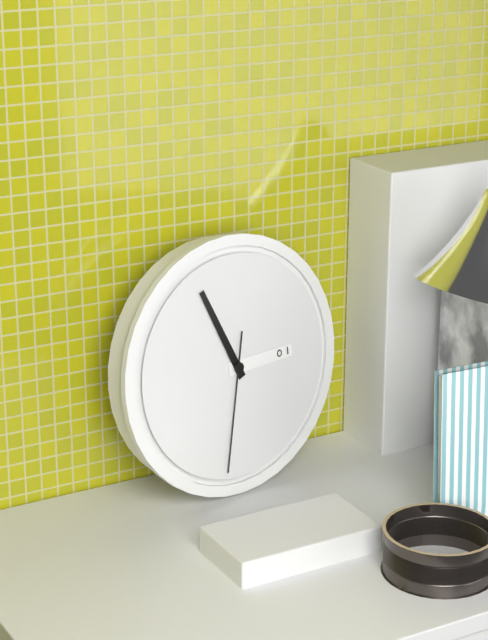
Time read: 2:56:32
